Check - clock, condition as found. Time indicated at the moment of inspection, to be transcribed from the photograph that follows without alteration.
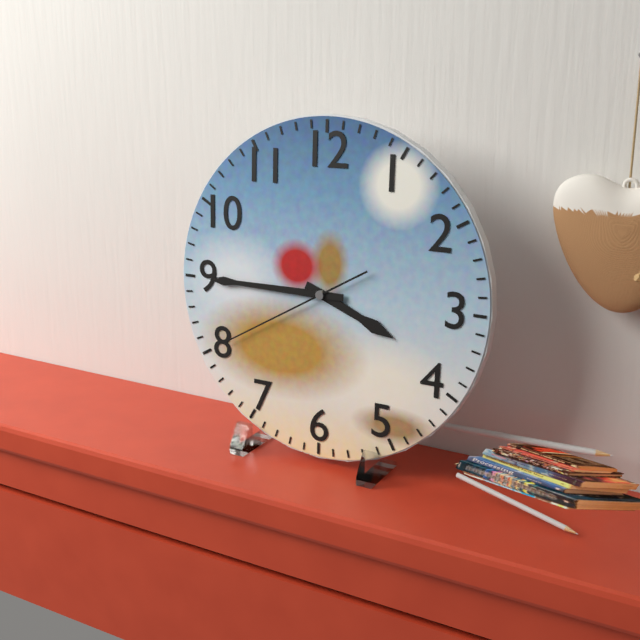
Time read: 3:45:40
